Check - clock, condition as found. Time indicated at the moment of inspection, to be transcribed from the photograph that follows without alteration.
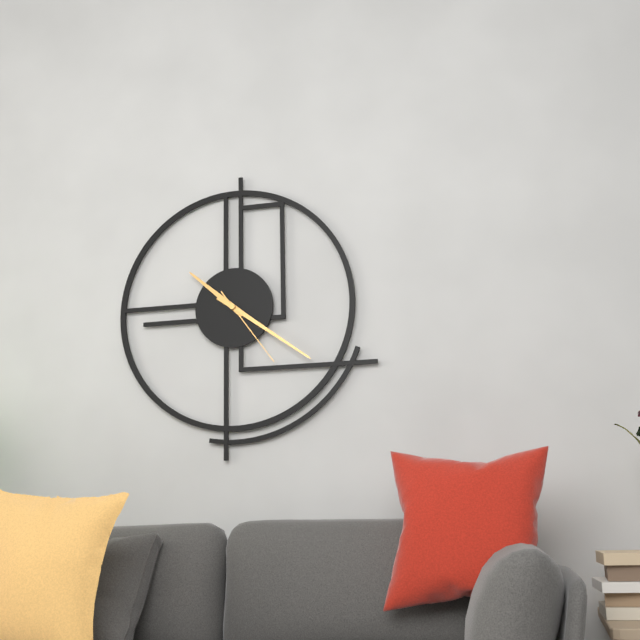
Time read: 10:21:24
